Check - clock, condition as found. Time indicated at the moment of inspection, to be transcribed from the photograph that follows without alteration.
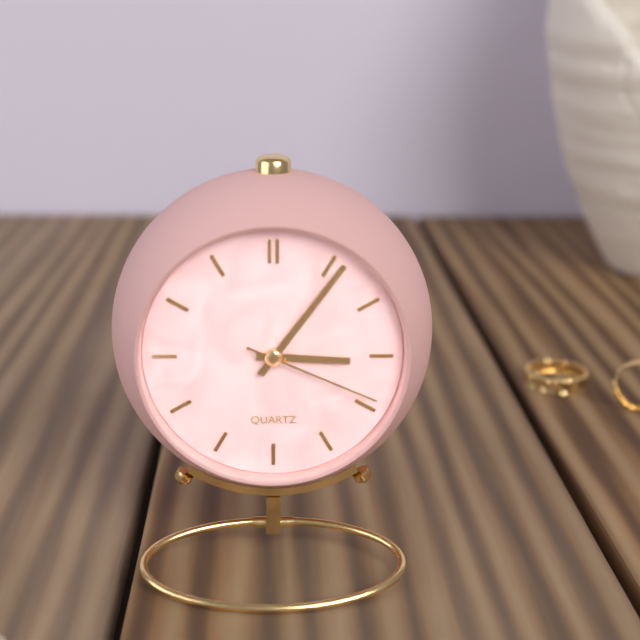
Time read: 3:06:19
